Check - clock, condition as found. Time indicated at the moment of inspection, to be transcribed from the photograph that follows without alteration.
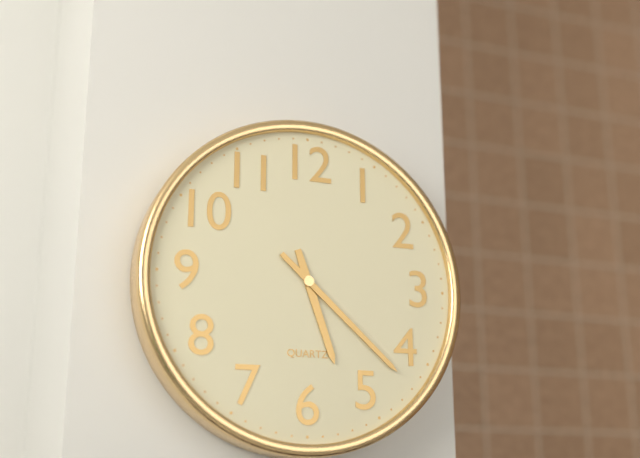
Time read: 5:22
